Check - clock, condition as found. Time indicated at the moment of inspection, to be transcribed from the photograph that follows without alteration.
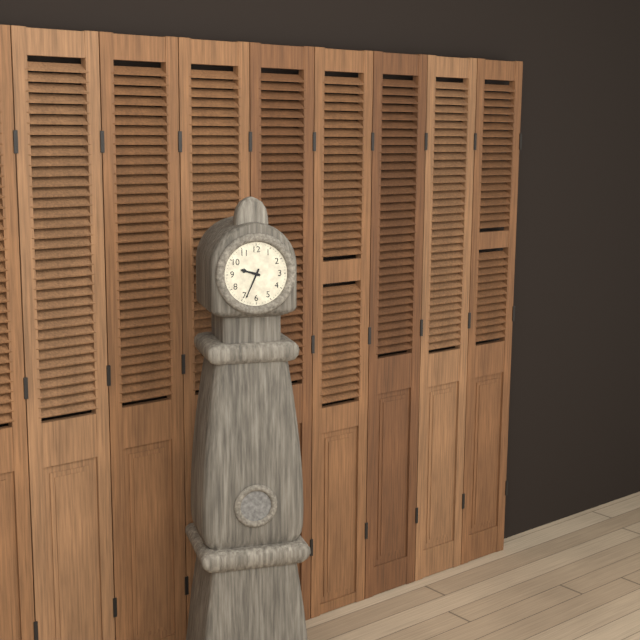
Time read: 9:34
